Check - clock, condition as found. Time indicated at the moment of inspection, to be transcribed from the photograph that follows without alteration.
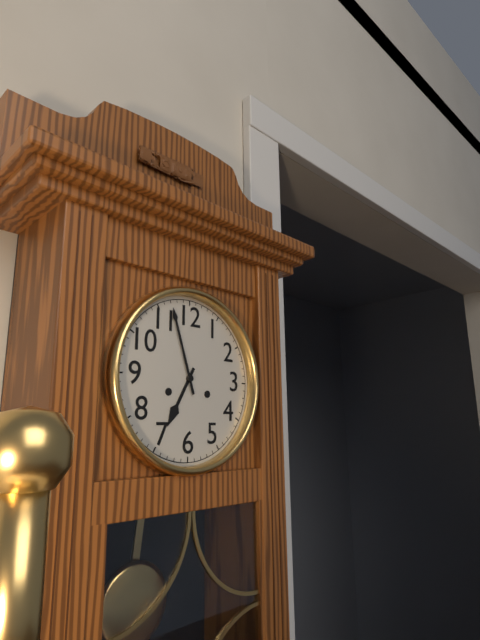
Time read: 6:57
